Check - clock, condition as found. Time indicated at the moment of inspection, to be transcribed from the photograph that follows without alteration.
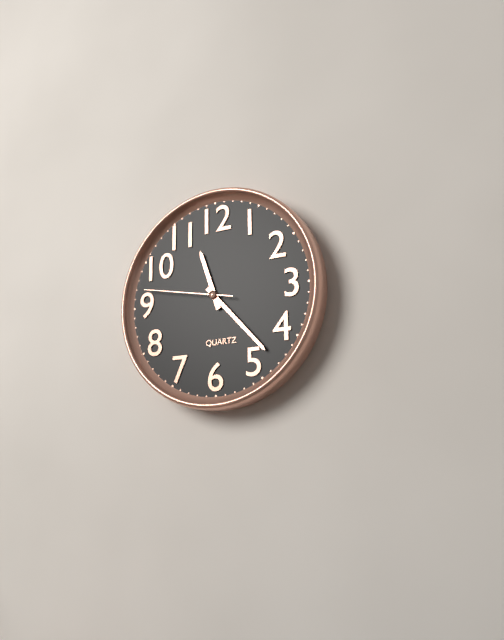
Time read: 11:23:47
